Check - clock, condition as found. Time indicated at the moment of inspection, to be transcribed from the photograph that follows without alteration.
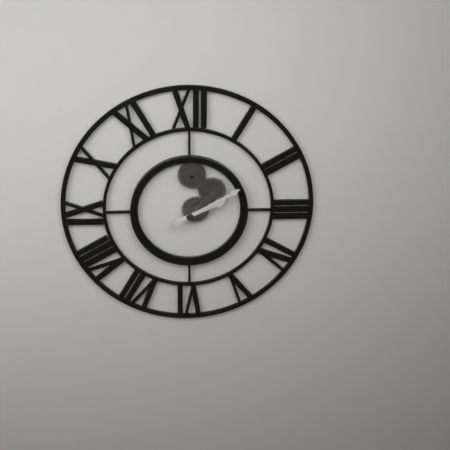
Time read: 2:10
